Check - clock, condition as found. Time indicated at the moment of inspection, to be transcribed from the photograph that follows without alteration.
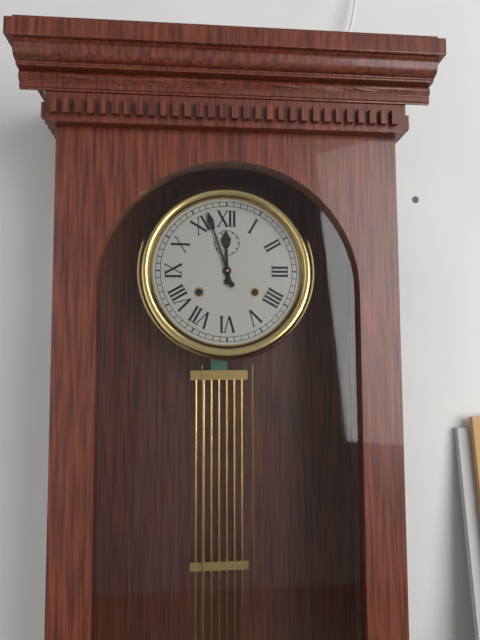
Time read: 11:57
